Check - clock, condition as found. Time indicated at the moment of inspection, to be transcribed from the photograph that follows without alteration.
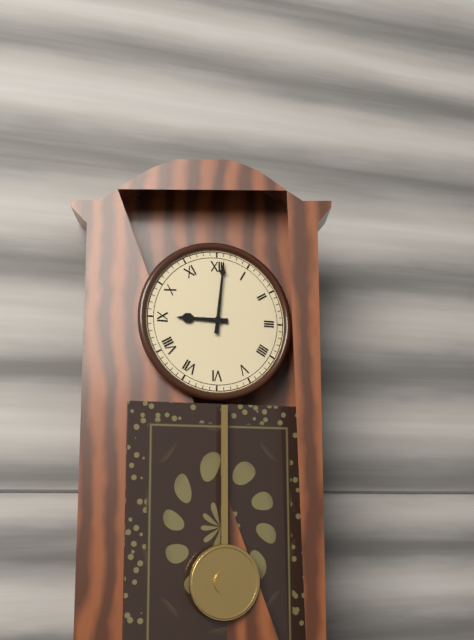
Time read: 9:01
